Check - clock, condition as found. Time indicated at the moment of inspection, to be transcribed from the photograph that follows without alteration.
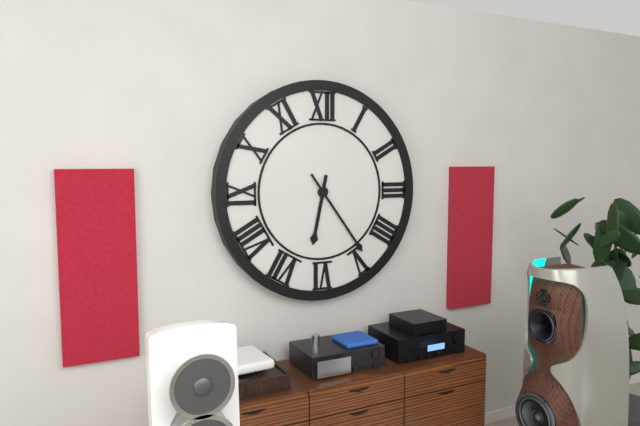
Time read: 6:24
